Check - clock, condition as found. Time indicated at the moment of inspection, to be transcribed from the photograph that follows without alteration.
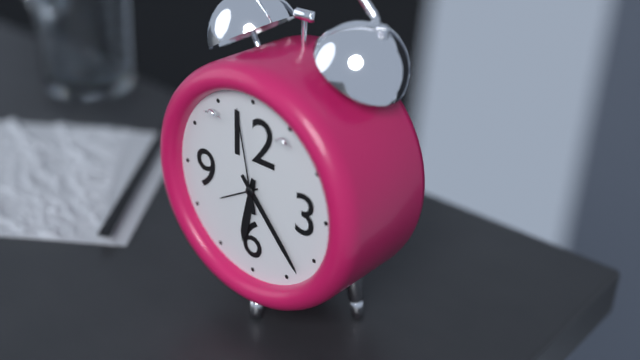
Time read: 6:23:58
